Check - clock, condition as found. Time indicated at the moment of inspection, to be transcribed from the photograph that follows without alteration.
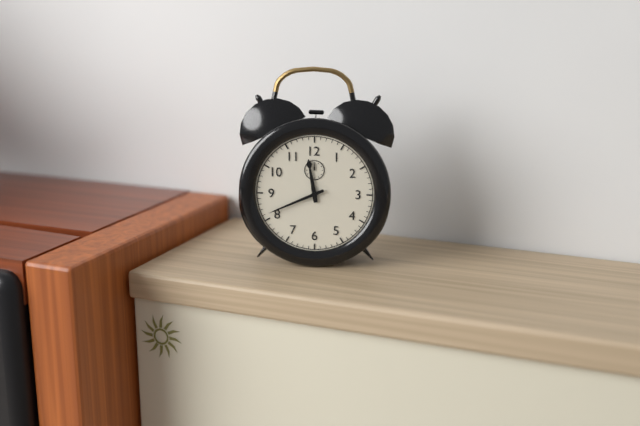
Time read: 11:41
